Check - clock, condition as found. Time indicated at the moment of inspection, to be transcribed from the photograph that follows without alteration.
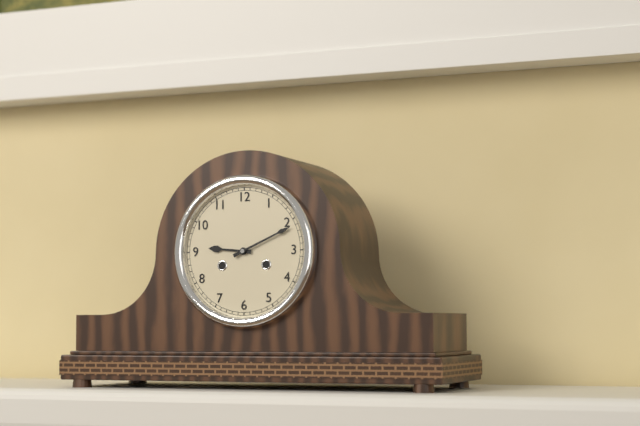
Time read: 9:11
